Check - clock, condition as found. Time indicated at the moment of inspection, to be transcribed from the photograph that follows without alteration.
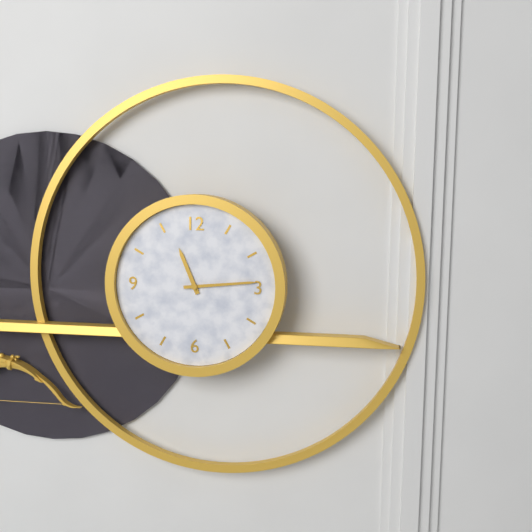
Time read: 11:14
